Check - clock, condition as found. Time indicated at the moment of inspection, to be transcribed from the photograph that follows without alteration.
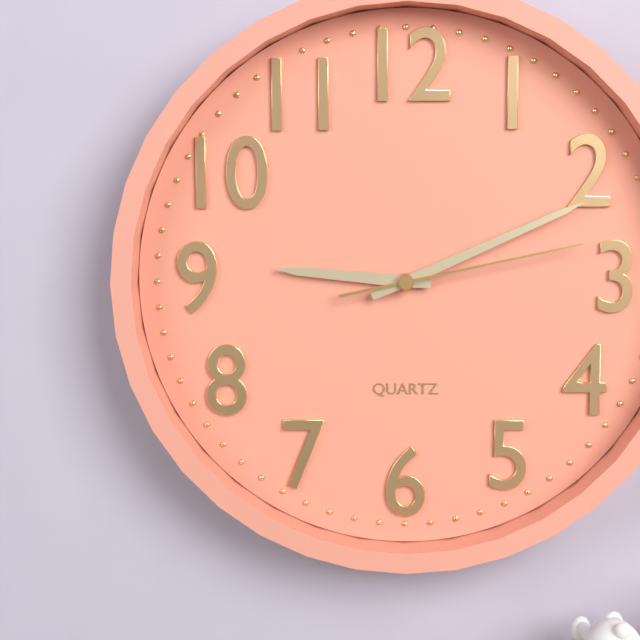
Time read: 9:11:13
